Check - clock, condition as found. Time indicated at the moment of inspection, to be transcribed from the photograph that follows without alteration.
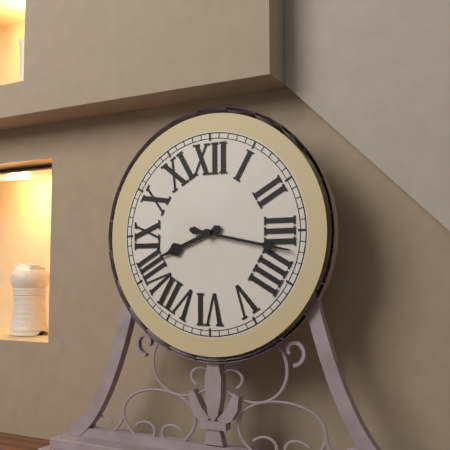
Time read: 8:17
